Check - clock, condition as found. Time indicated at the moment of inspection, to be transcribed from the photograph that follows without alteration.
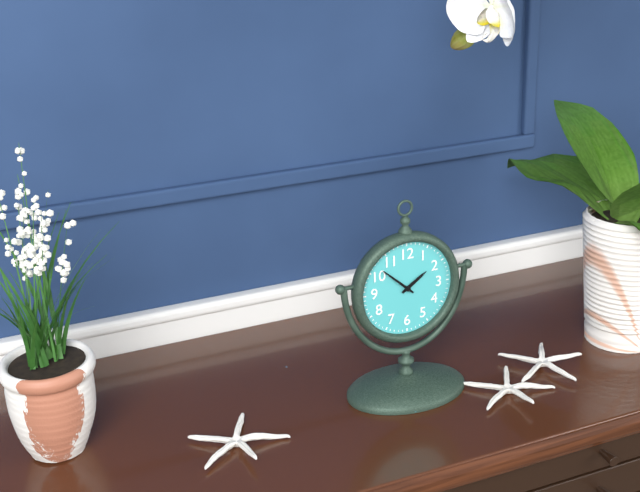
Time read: 1:52
